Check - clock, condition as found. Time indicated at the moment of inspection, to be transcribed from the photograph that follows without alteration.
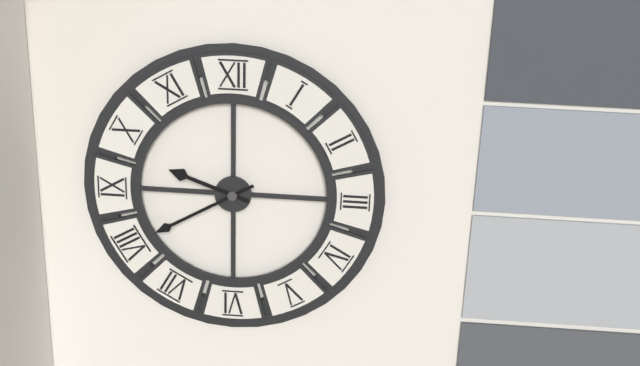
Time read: 9:40
